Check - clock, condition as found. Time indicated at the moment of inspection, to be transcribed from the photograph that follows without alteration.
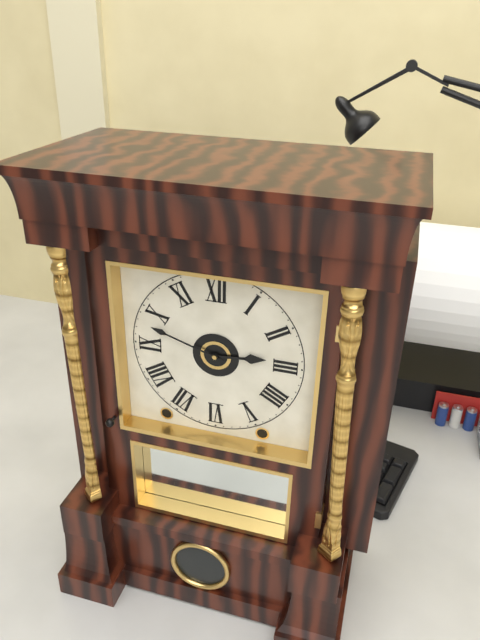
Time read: 2:48
